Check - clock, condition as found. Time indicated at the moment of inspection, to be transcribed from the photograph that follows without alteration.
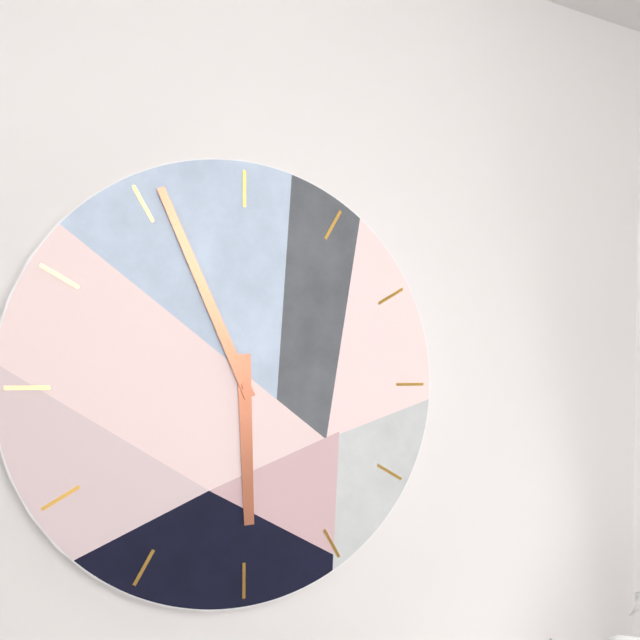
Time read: 5:56
